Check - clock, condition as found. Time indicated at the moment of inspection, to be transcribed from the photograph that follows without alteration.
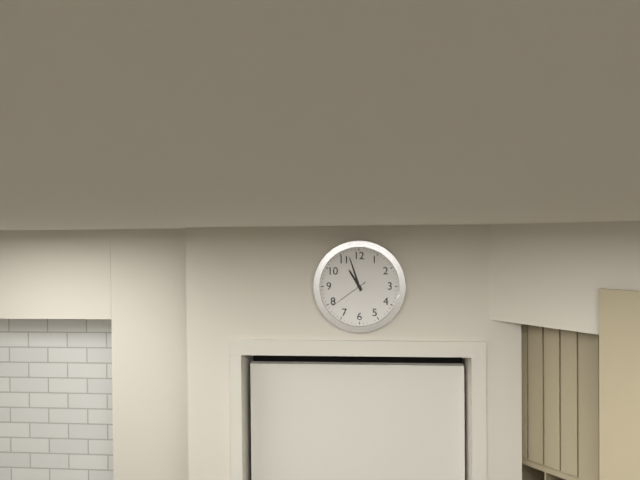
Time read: 10:57
